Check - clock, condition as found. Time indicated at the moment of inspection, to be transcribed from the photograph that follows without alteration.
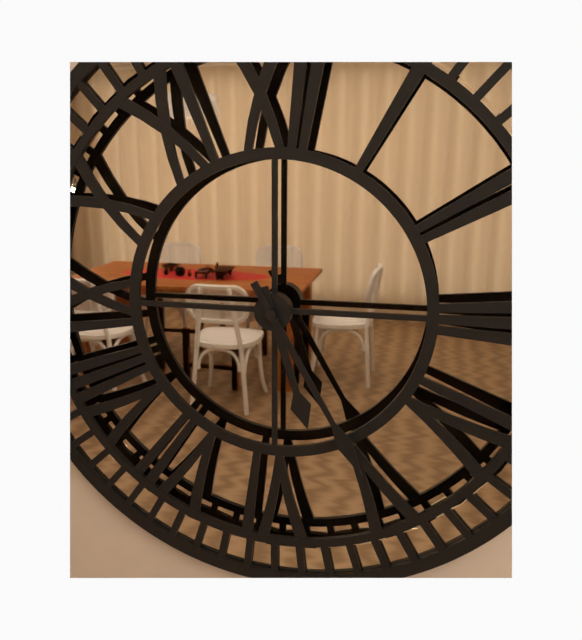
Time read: 5:25
